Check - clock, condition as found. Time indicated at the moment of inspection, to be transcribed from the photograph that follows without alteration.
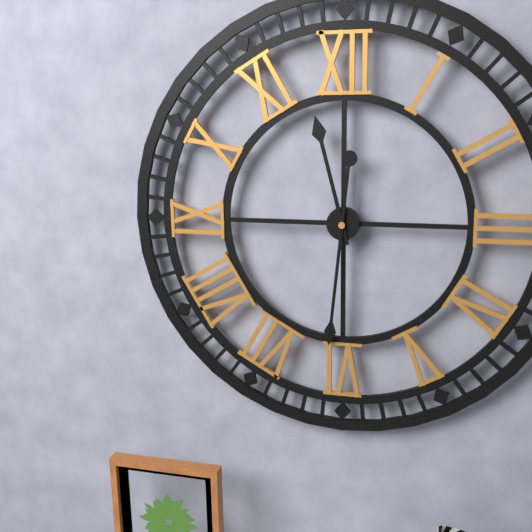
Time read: 11:31
